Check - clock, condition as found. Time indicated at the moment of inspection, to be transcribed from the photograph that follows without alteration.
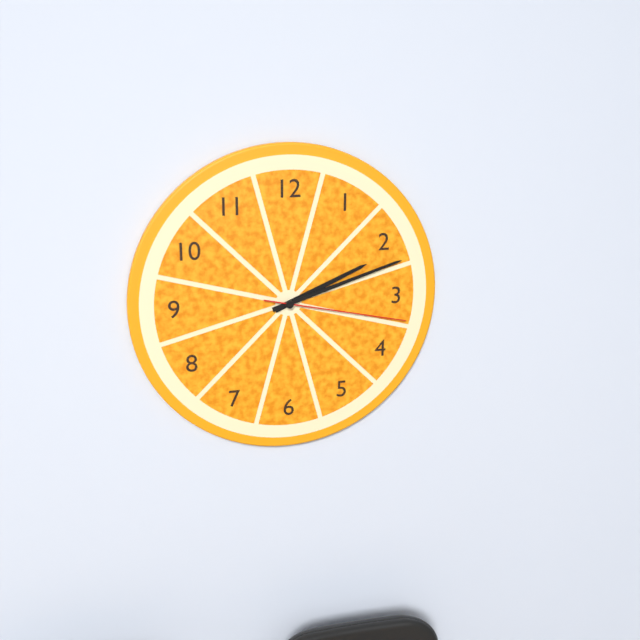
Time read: 2:12:17
